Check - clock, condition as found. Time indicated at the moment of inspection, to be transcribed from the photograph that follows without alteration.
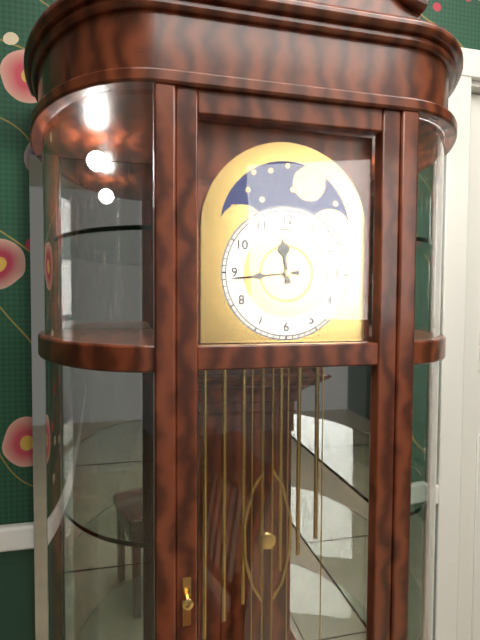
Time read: 11:44
